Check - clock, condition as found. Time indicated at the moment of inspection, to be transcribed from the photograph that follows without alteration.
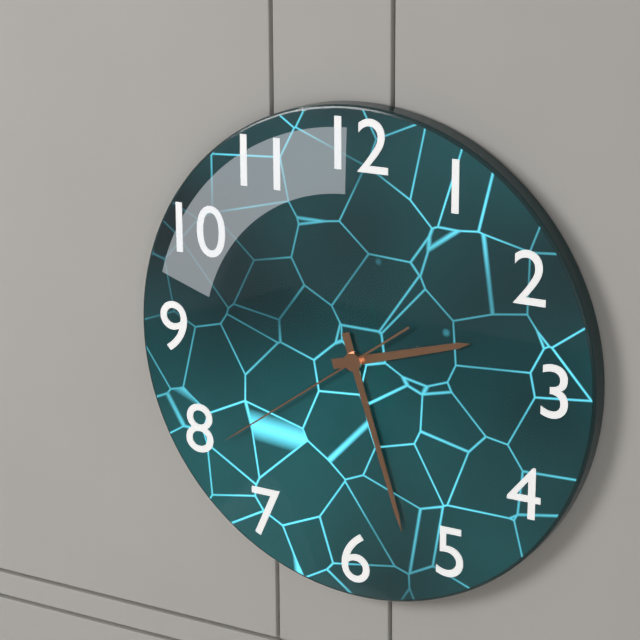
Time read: 2:27:39
